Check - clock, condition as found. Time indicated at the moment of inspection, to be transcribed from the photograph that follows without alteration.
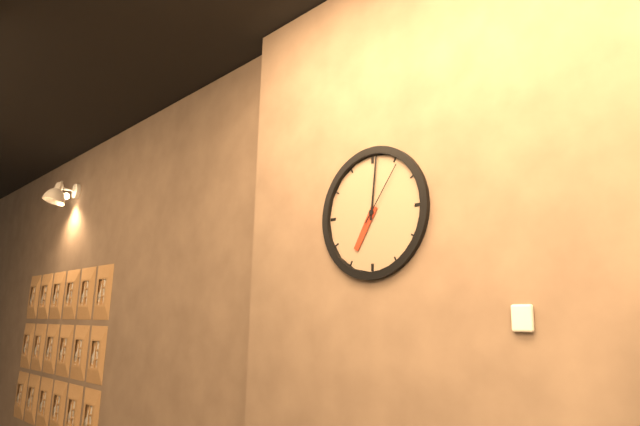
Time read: 7:01:06
